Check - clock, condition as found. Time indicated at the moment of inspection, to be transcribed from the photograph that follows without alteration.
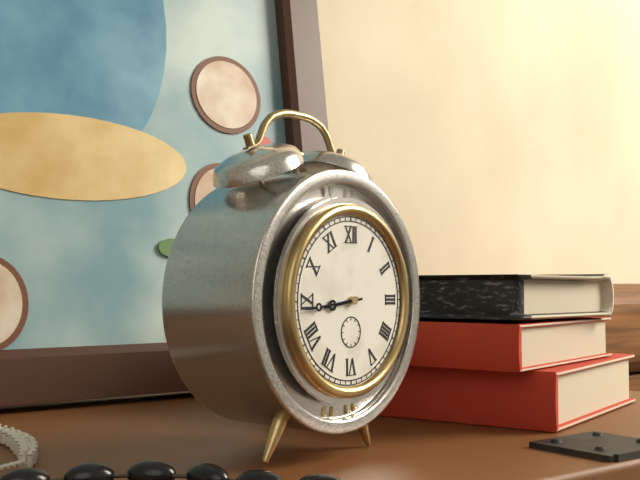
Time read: 8:44
